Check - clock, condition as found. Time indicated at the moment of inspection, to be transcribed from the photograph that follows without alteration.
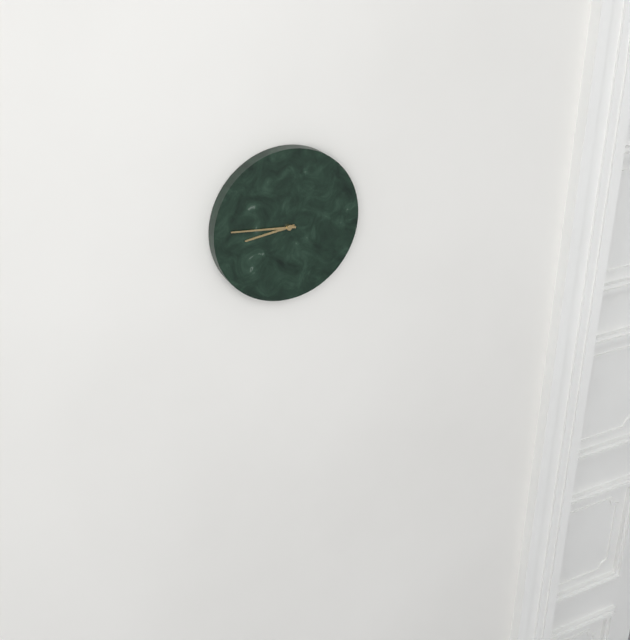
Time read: 8:46
